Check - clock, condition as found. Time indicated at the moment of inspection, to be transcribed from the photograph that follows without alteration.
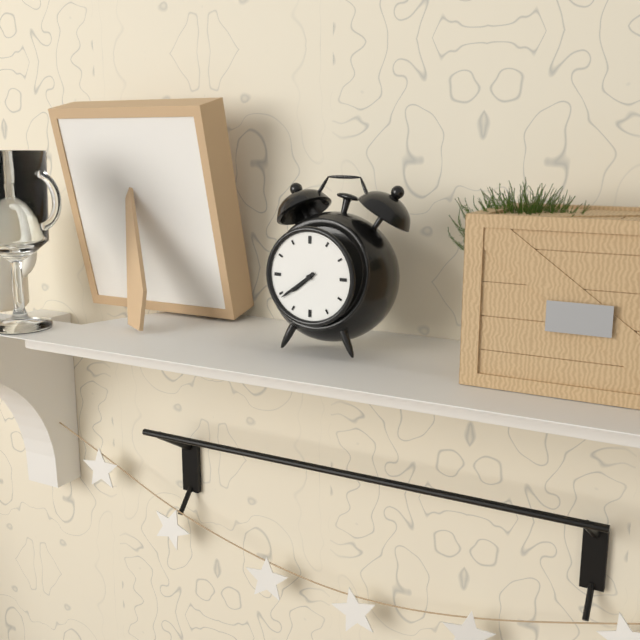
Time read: 7:39
